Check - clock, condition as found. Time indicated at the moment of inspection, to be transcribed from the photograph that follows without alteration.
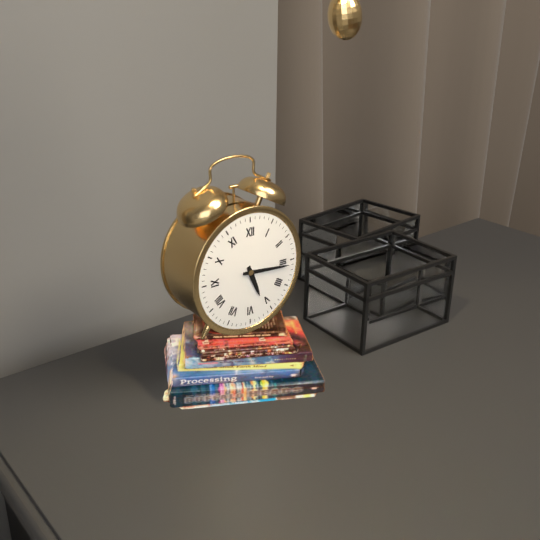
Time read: 5:16
